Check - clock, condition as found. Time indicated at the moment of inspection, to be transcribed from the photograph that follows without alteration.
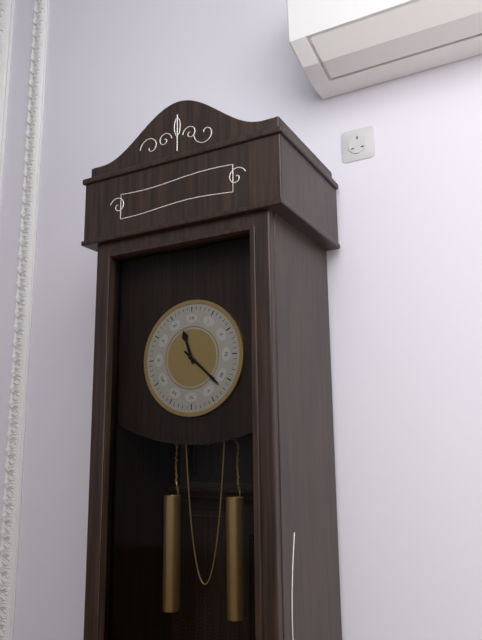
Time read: 11:22
